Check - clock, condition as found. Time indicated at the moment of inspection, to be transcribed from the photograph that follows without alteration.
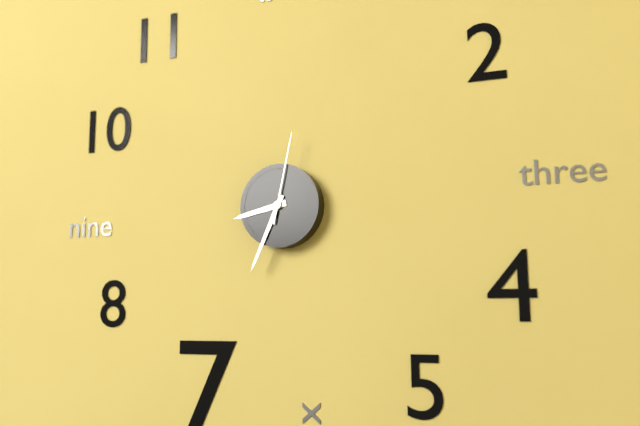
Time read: 8:34:02
